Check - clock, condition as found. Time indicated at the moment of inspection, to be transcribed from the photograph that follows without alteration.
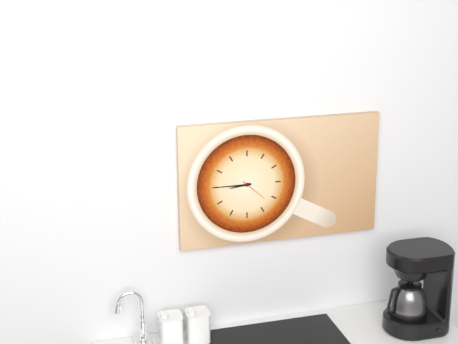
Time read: 8:45
